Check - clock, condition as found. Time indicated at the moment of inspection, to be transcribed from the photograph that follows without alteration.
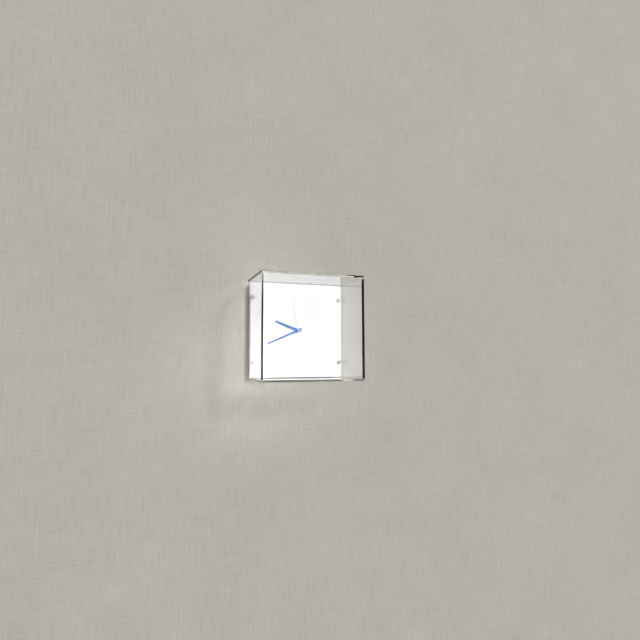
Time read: 9:41
